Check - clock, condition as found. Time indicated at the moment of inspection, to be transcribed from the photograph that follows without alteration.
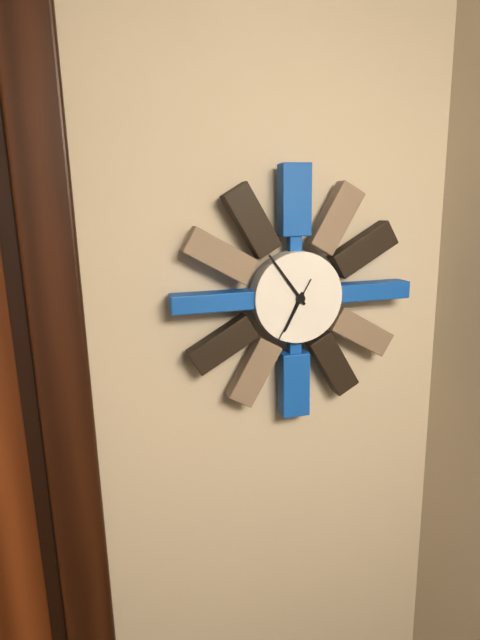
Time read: 6:54:35
